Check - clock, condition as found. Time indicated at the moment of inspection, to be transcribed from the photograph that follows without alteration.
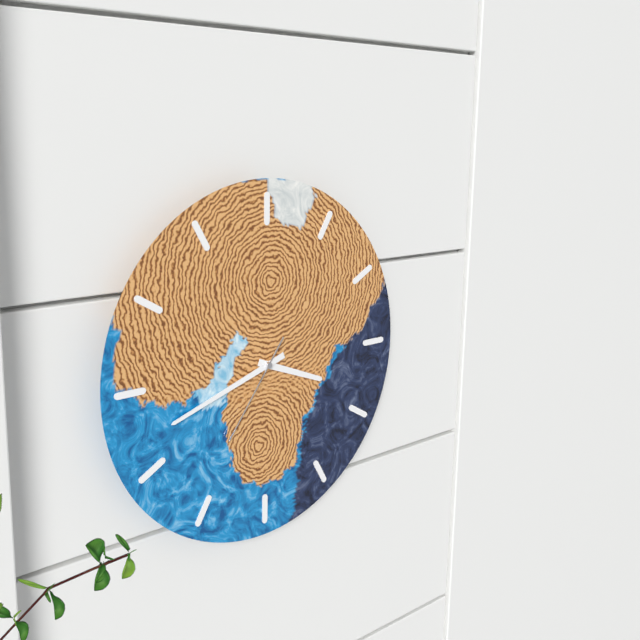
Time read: 3:42:36
